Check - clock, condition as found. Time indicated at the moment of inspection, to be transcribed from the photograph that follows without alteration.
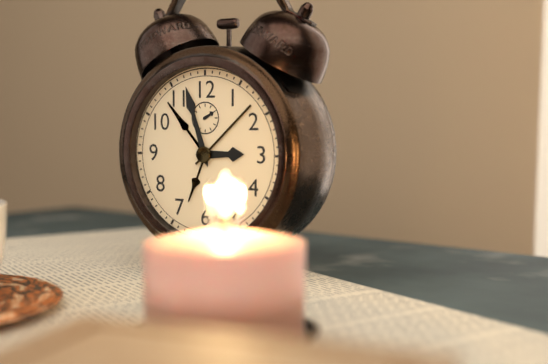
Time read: 2:57
